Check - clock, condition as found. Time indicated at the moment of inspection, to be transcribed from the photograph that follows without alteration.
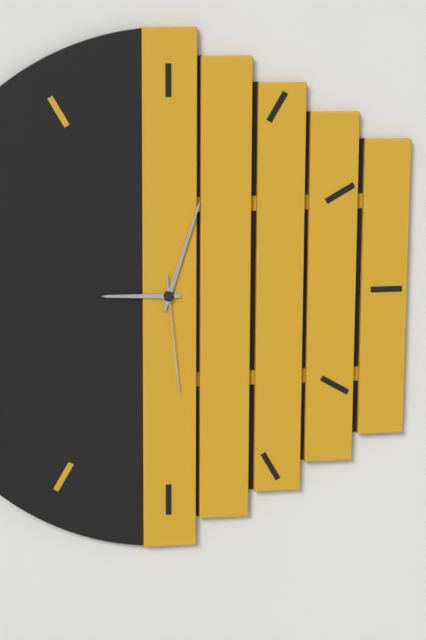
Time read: 9:03:29
